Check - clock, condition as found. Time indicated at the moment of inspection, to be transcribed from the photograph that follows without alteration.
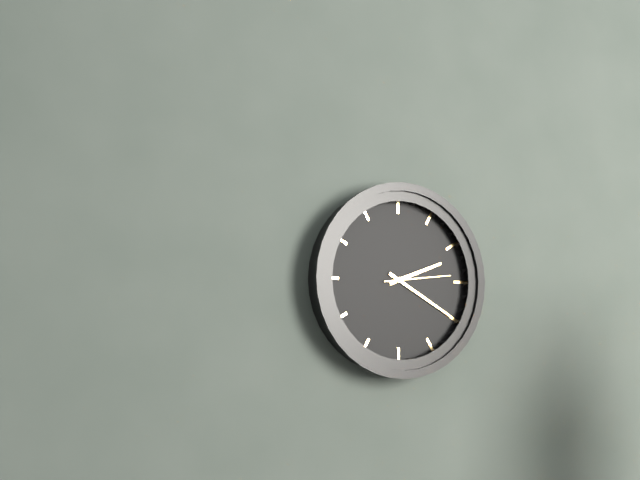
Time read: 2:20:14
